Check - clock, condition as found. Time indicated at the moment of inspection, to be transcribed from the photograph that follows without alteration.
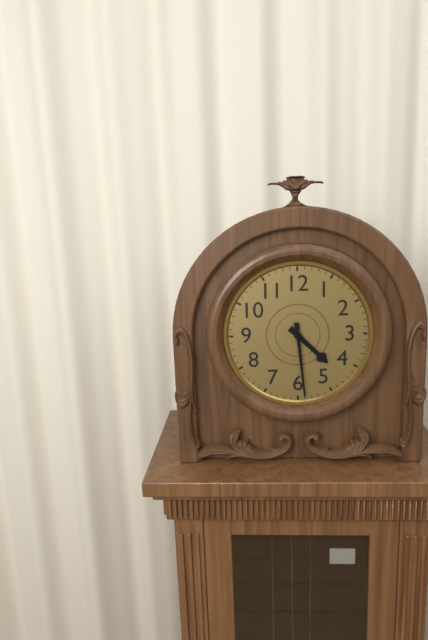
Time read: 4:29
